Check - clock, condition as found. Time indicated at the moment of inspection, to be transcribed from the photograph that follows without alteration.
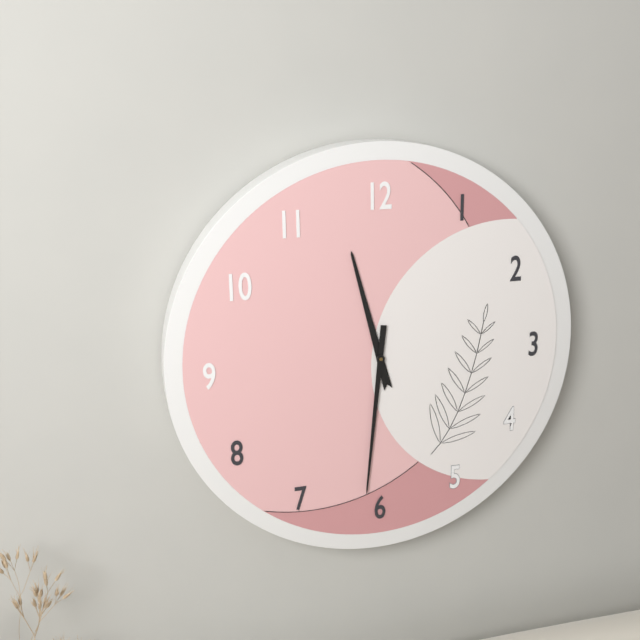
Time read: 11:31
